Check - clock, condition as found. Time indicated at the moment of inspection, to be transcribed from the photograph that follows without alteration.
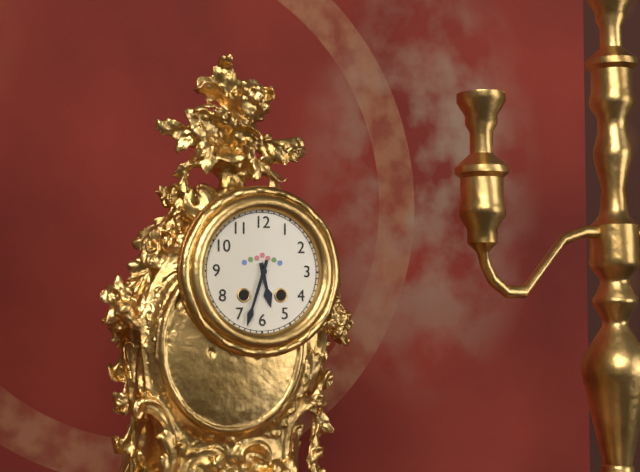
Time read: 5:33
